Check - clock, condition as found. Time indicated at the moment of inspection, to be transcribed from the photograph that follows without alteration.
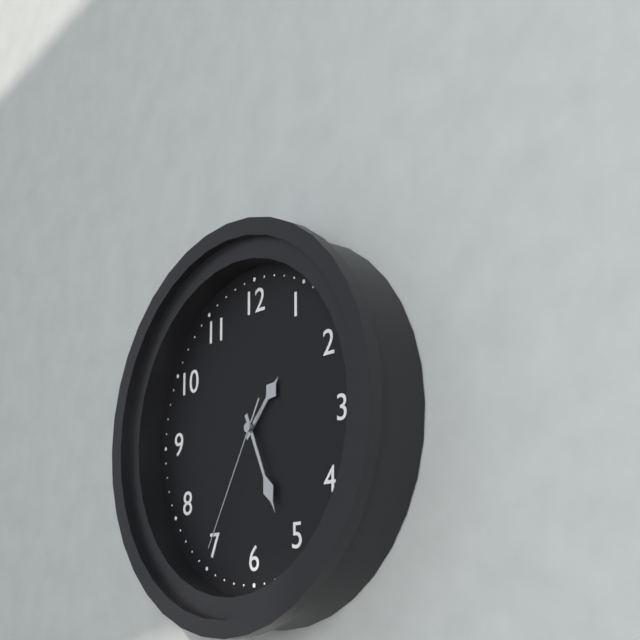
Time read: 1:26:35
